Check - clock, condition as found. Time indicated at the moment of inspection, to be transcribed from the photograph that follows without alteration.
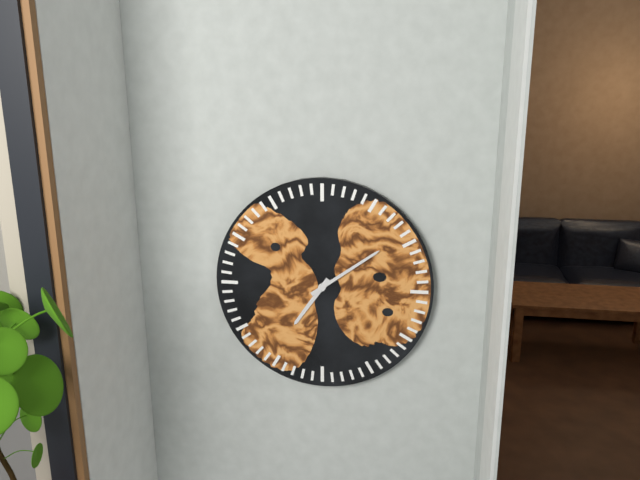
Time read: 7:09
